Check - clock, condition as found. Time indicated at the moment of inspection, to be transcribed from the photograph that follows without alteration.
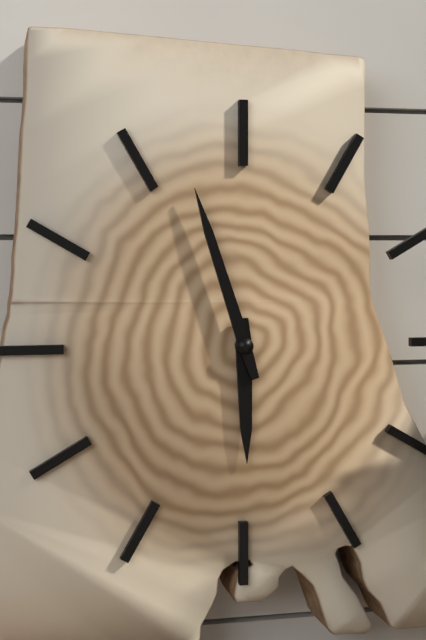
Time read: 5:57
